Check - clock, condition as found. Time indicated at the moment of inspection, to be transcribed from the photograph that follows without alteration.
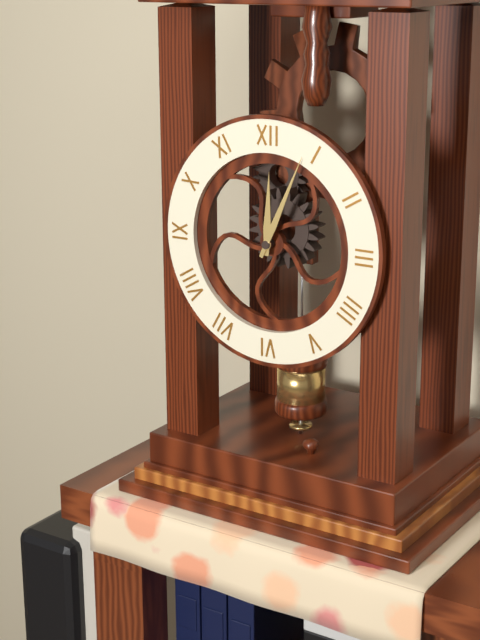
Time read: 12:04
